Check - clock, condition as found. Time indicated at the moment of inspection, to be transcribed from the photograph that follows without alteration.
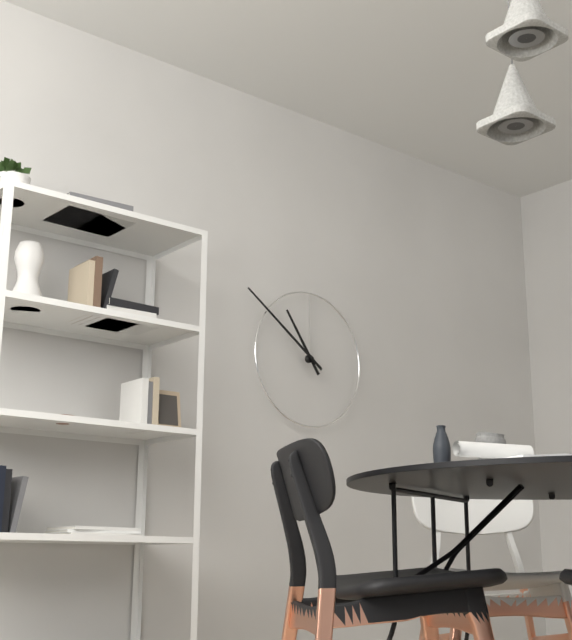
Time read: 10:51
